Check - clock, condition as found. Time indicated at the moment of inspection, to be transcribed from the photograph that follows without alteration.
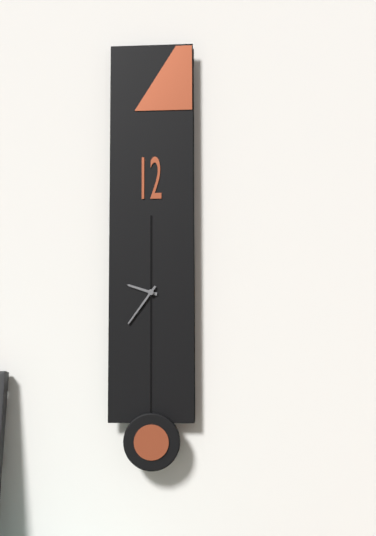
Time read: 9:36
